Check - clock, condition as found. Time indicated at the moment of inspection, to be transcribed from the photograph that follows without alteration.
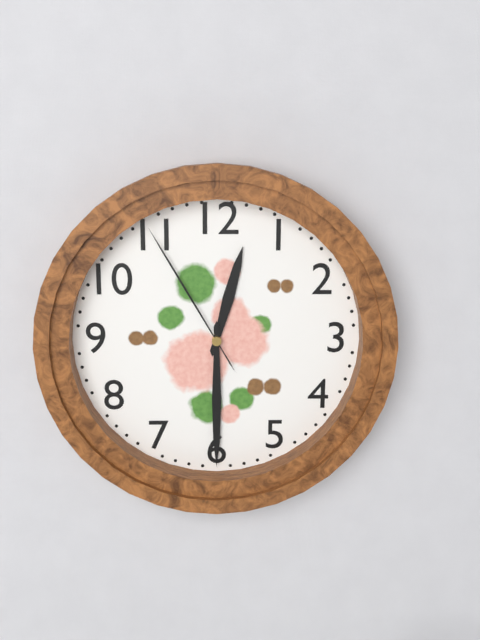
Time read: 12:30:55
